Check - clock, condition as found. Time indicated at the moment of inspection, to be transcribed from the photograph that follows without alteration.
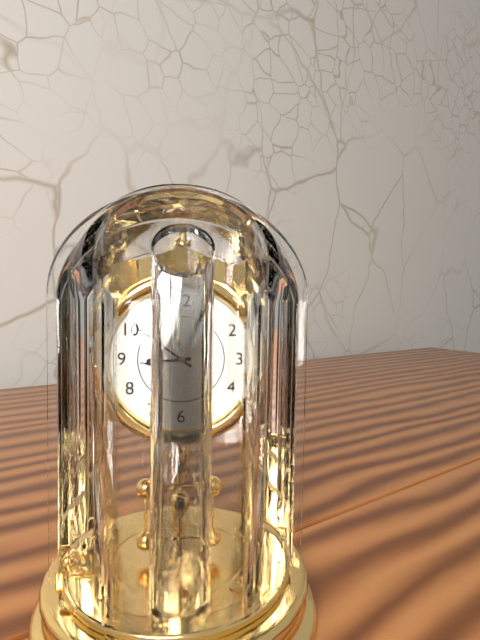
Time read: 8:51
